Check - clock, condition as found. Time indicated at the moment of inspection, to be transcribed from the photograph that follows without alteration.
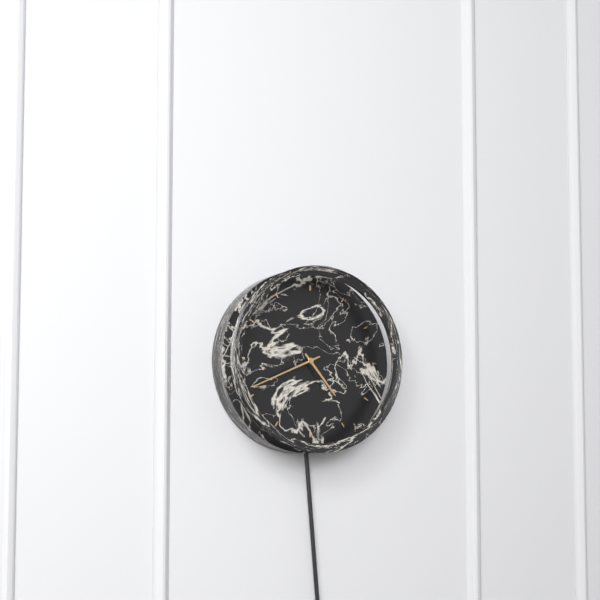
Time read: 4:41
